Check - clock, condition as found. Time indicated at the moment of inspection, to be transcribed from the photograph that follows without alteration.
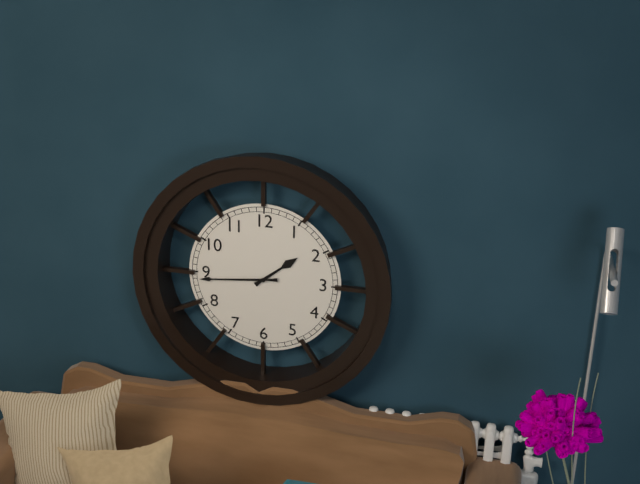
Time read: 1:44
